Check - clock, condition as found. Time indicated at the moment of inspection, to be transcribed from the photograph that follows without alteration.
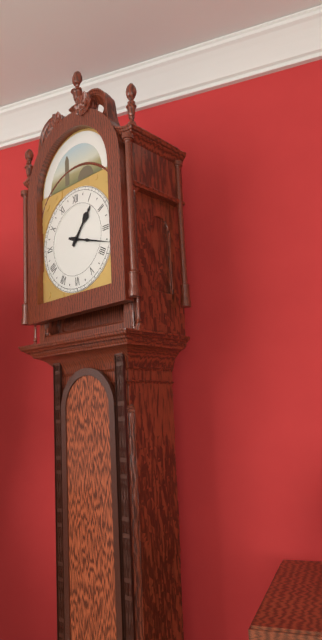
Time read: 1:18
